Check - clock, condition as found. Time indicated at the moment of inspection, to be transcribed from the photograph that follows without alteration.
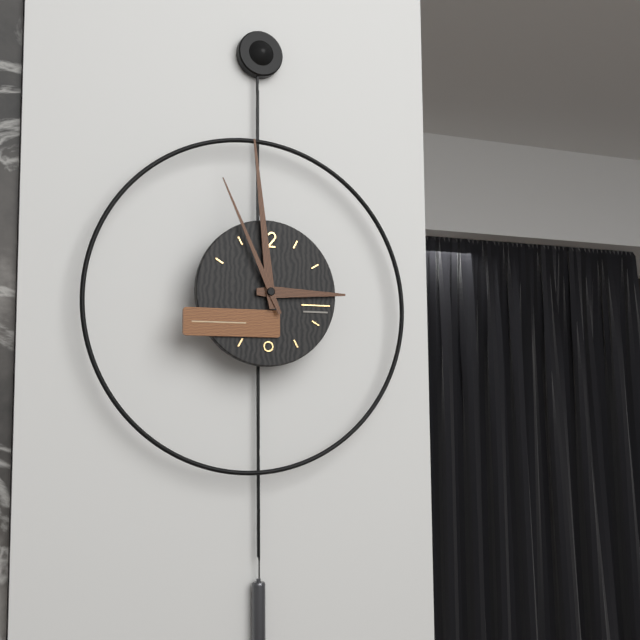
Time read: 2:59:56
